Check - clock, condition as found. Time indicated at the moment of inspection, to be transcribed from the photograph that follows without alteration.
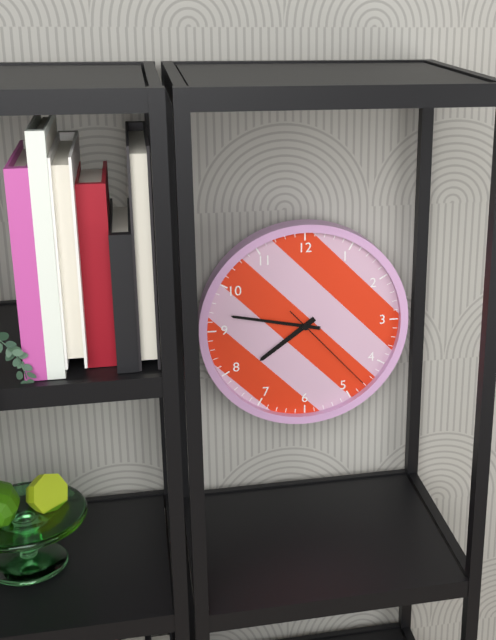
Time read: 7:47:23
